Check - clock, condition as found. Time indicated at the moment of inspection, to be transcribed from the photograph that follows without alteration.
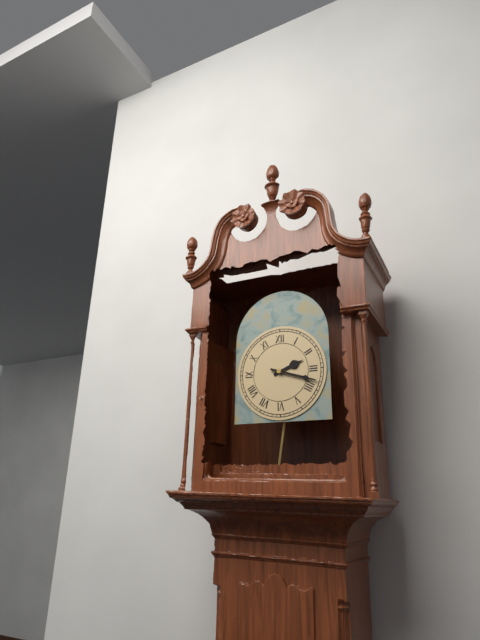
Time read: 2:18
